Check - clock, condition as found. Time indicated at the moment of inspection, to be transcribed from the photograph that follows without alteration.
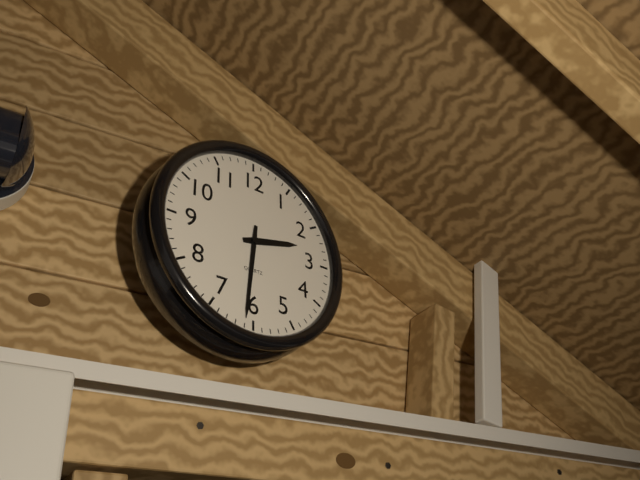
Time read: 2:31
